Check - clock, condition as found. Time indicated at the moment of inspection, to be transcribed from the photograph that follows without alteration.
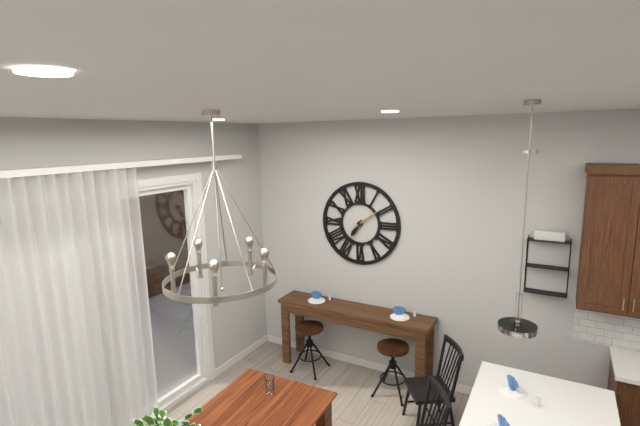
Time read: 7:09
